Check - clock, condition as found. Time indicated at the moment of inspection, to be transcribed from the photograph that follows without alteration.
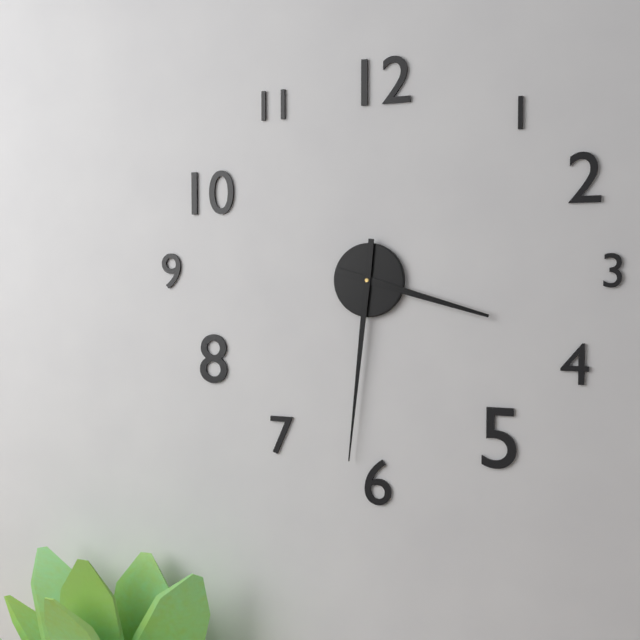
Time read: 3:31
